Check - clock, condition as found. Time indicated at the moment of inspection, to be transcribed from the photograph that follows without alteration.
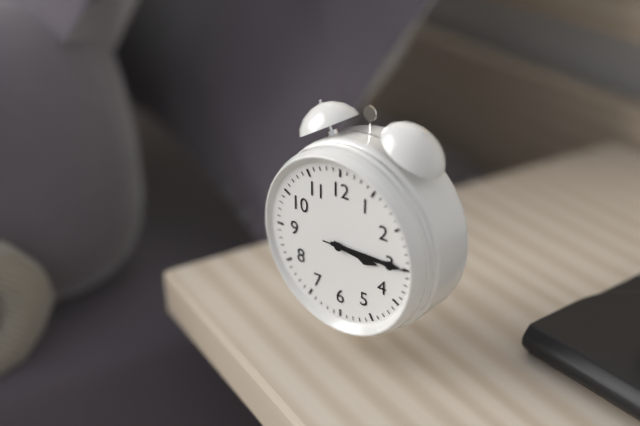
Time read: 3:15:15
